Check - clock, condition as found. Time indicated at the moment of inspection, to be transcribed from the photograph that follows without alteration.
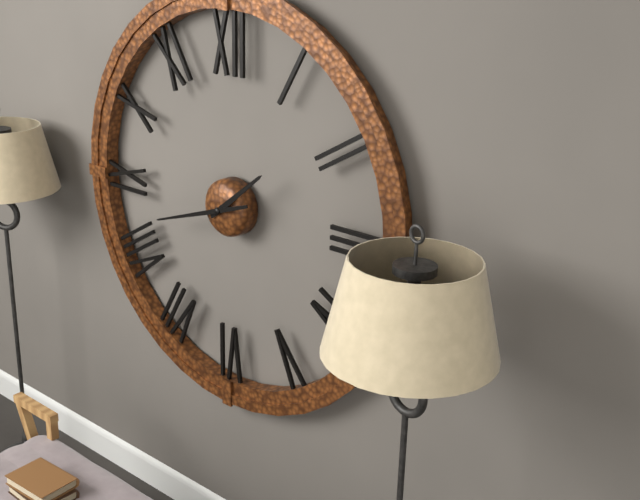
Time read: 1:42
